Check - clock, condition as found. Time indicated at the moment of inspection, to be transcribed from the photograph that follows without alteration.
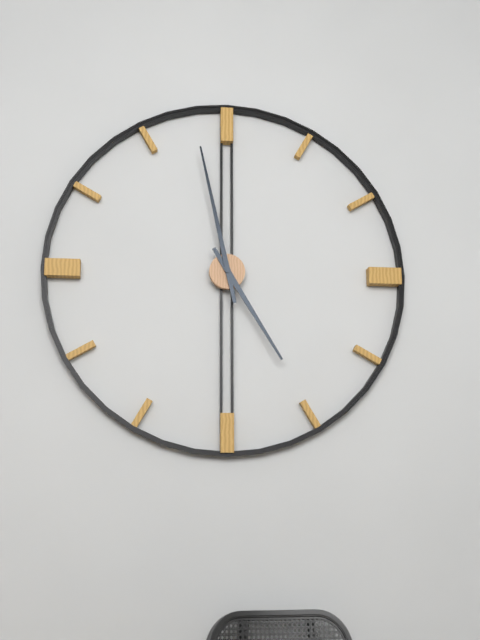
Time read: 4:58
